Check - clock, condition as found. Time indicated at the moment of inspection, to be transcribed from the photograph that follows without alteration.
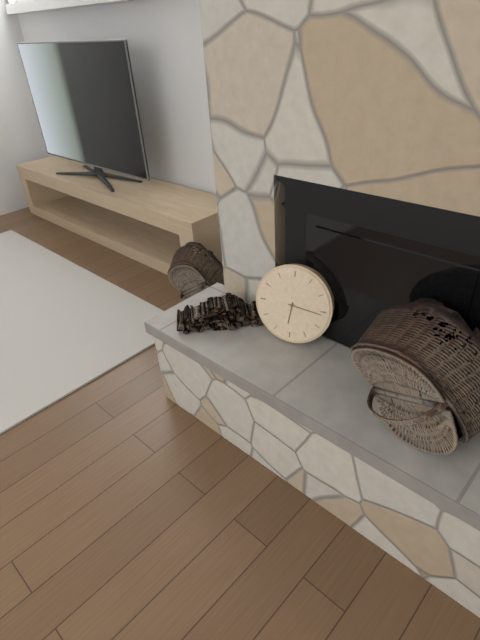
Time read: 6:16
